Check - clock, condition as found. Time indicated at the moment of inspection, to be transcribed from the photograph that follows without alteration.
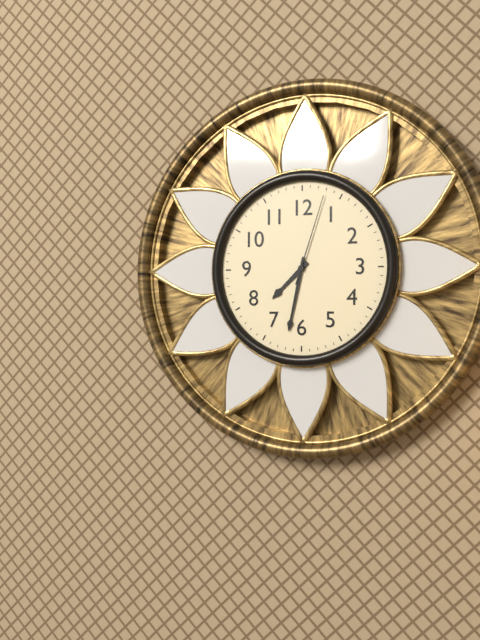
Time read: 7:32:03
